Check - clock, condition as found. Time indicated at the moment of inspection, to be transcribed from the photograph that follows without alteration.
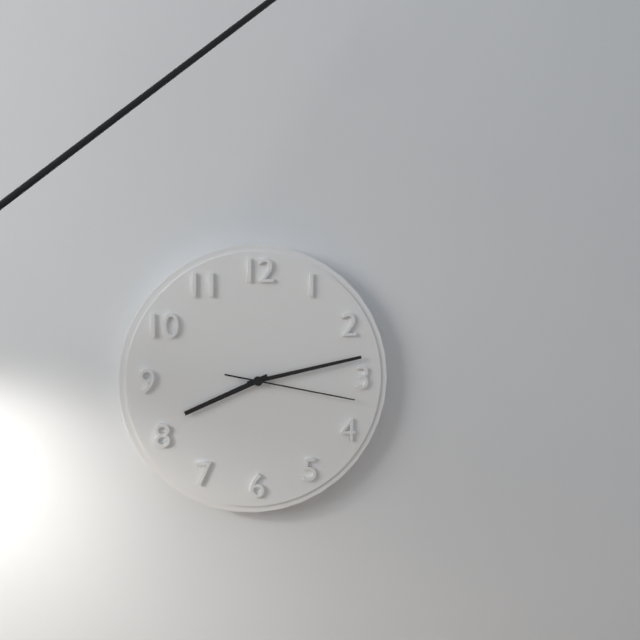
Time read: 8:13:17
